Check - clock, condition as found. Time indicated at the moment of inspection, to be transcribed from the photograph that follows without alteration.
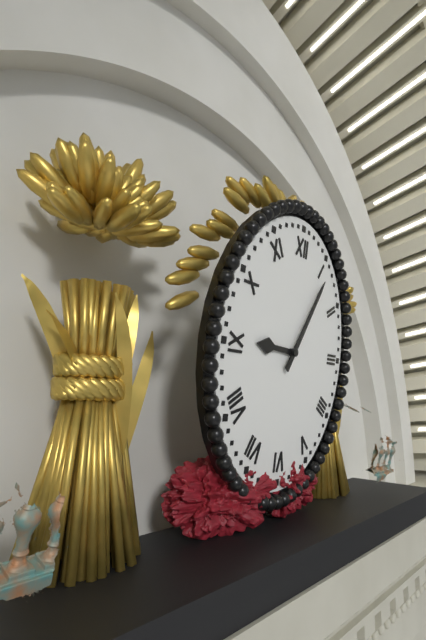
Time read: 9:05
